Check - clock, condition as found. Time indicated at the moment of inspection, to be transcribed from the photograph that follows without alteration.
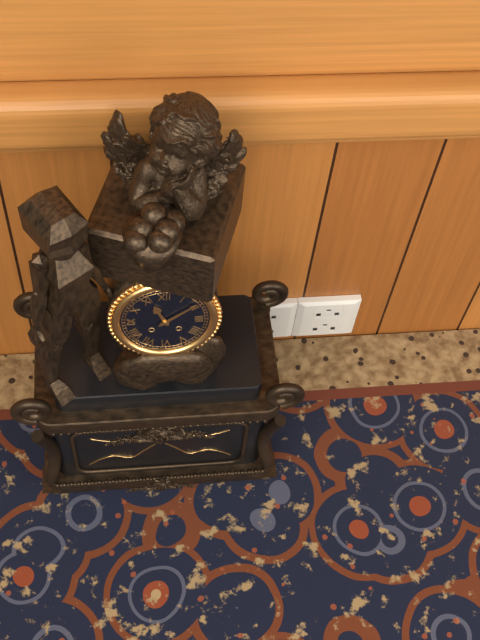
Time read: 11:09
